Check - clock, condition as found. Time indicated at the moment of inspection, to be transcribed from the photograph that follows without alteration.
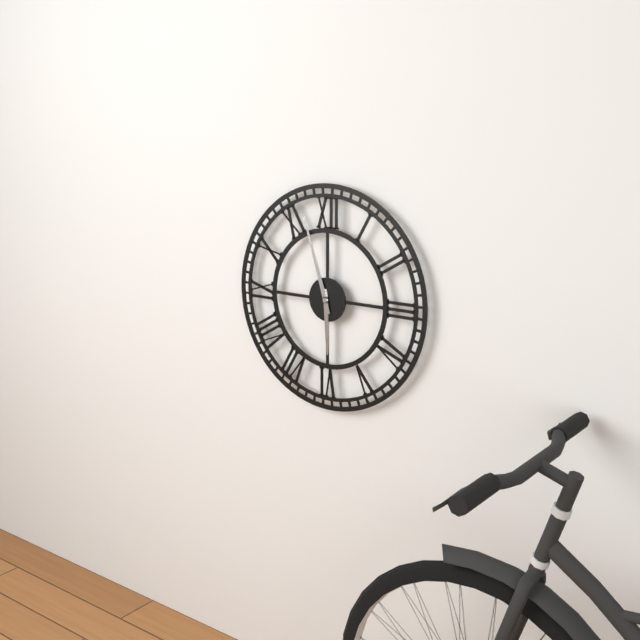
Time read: 5:57
